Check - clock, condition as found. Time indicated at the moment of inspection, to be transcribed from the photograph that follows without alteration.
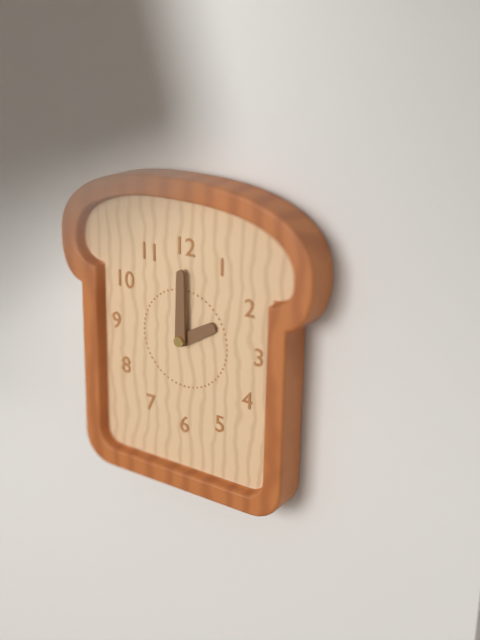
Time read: 2:00
